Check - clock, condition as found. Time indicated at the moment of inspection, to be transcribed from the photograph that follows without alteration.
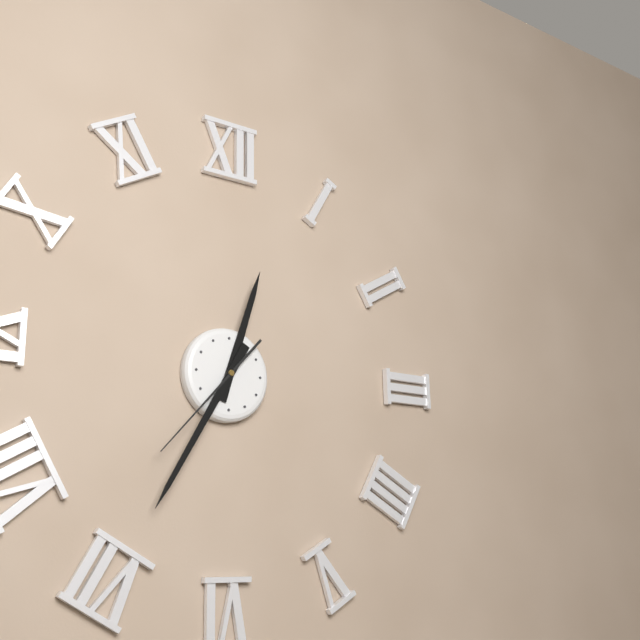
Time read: 12:35:37
